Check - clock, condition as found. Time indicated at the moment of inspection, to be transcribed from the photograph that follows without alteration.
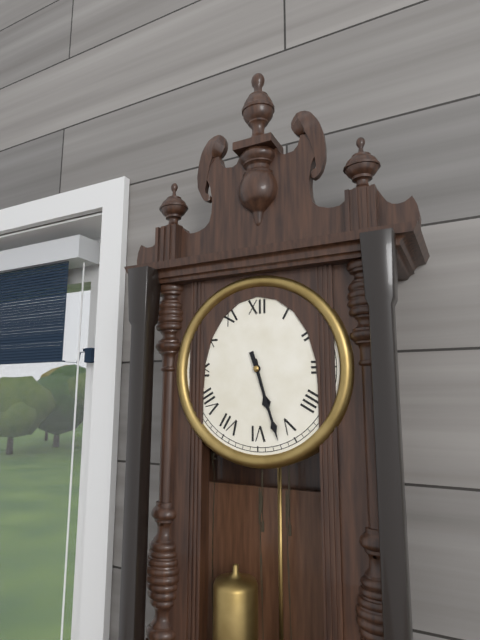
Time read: 5:27
